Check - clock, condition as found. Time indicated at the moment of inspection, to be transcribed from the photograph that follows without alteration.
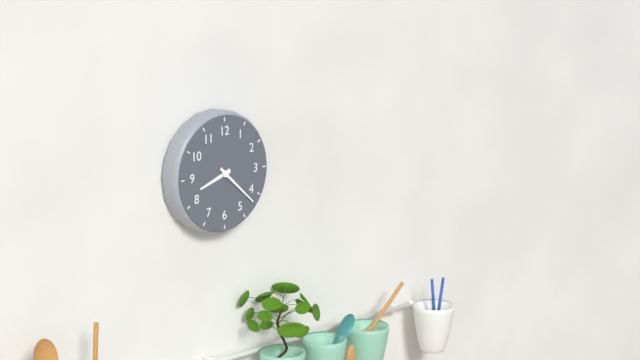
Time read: 8:22
